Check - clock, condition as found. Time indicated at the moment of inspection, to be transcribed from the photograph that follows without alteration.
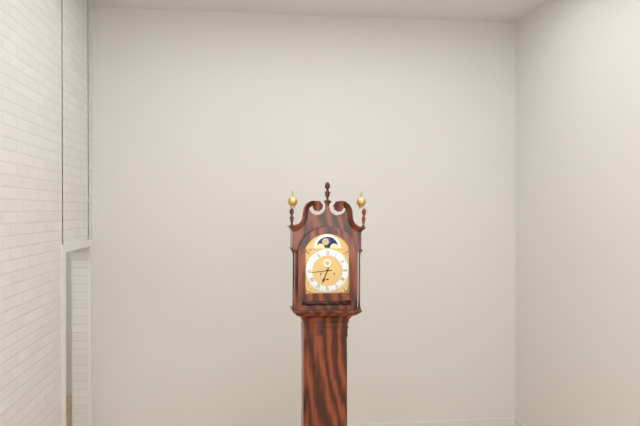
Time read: 6:44
